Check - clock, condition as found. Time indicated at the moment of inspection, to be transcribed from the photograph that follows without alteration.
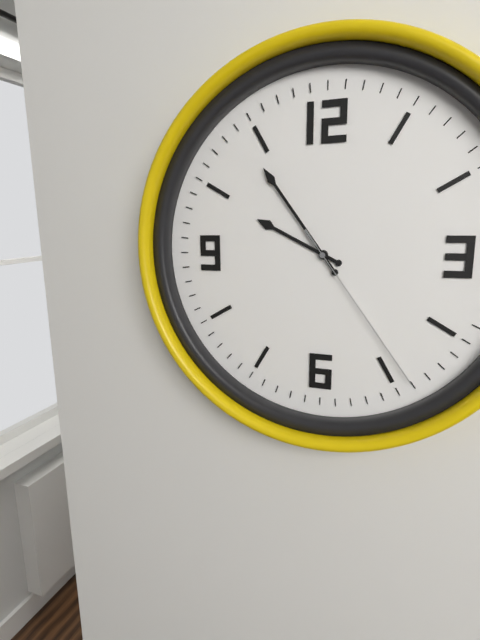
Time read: 9:54:24
